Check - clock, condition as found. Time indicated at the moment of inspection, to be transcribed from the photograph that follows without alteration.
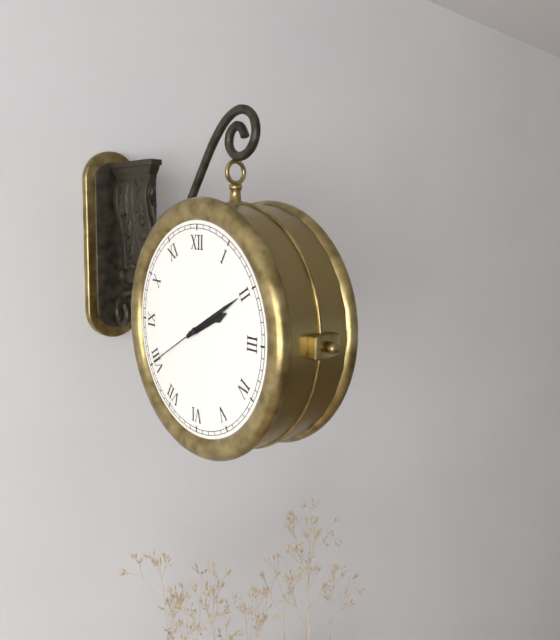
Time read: 2:10:40
